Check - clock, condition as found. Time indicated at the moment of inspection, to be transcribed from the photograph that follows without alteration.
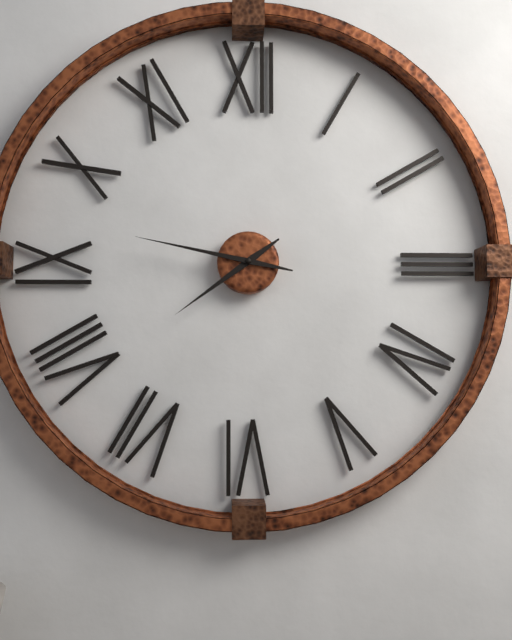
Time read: 7:47
